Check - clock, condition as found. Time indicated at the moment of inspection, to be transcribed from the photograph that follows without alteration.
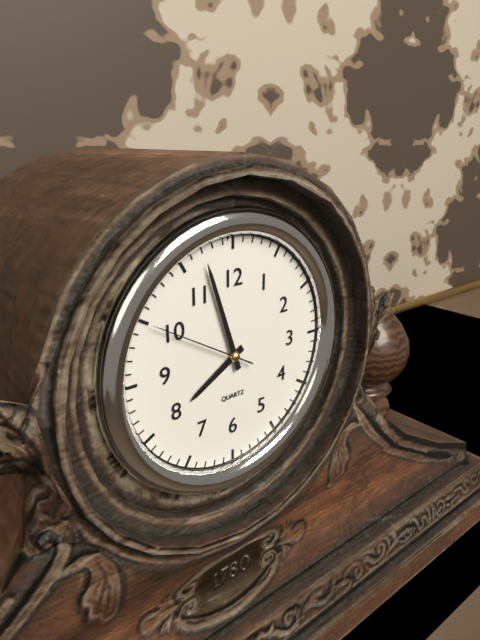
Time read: 7:57:50
